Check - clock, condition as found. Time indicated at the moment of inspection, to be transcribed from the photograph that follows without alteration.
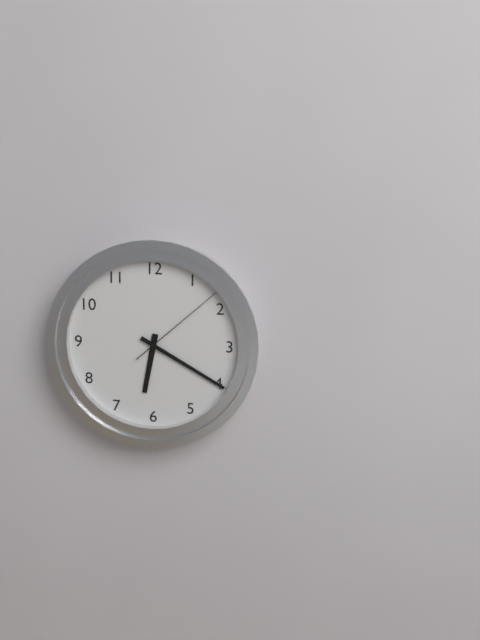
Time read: 6:20:08
